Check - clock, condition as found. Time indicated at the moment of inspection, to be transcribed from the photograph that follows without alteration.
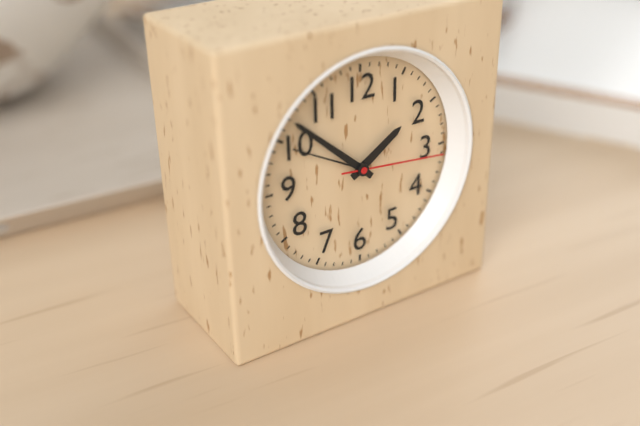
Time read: 1:52:16
